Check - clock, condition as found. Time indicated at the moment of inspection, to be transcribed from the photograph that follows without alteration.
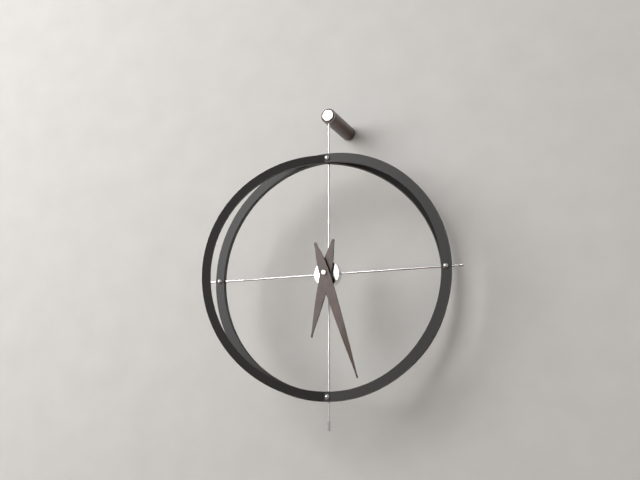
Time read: 6:27
